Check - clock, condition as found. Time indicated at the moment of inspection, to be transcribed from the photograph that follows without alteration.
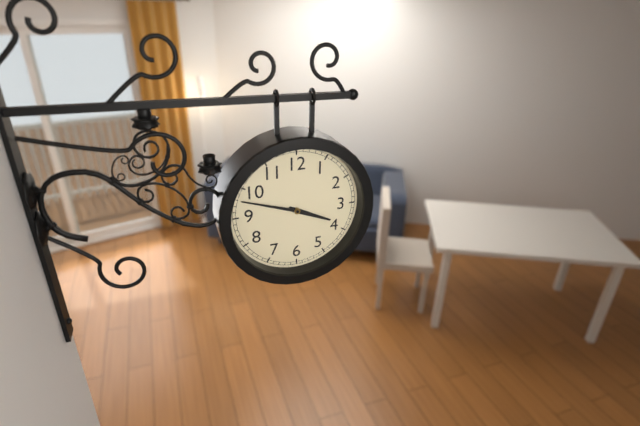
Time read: 3:48
